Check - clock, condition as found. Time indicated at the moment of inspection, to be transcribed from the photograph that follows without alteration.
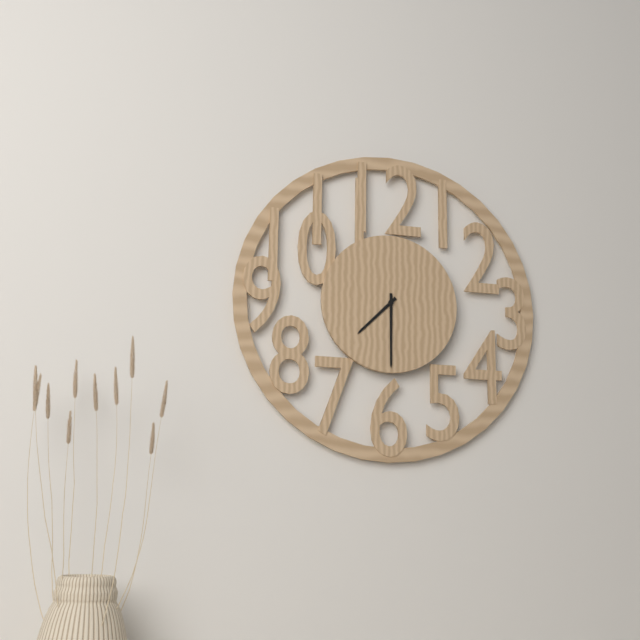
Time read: 7:30
